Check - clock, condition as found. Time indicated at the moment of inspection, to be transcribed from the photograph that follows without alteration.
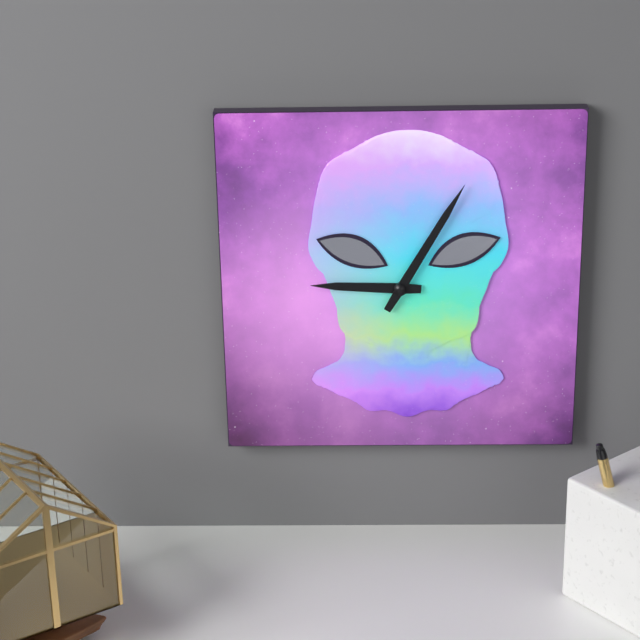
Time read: 9:05
